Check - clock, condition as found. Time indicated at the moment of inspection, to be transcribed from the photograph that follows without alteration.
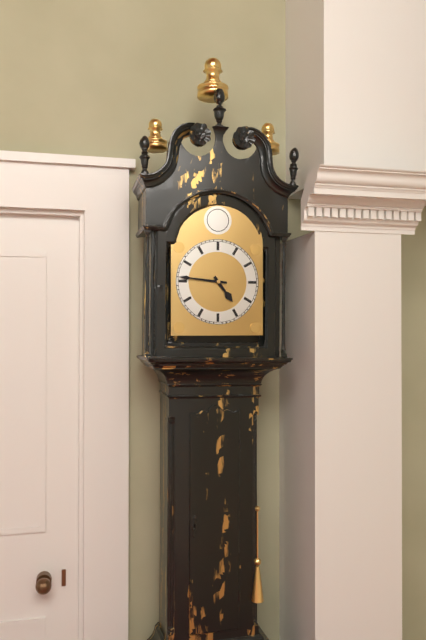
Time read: 4:46
